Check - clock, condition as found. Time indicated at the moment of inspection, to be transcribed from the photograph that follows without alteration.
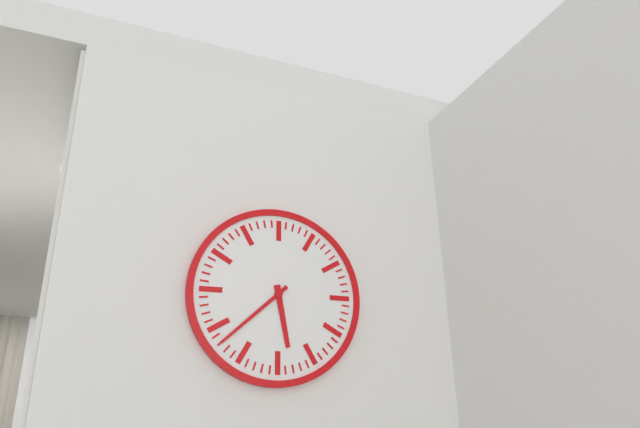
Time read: 5:38
